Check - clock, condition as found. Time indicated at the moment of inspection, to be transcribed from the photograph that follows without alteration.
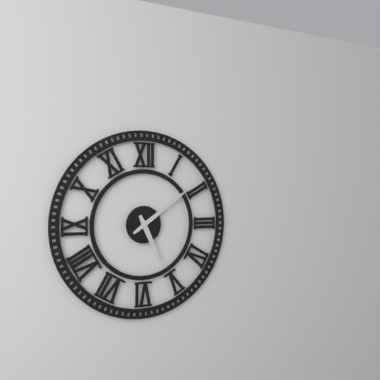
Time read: 5:09
